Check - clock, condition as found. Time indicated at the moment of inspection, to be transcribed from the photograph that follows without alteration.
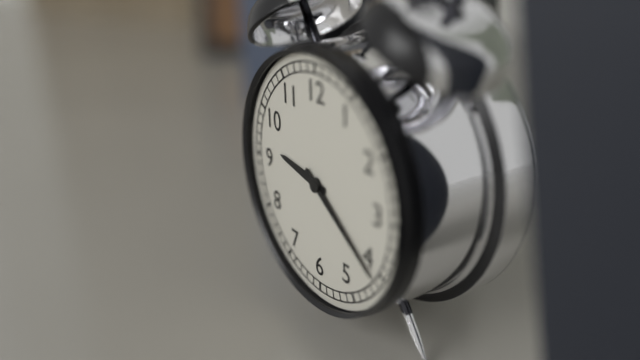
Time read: 9:21
